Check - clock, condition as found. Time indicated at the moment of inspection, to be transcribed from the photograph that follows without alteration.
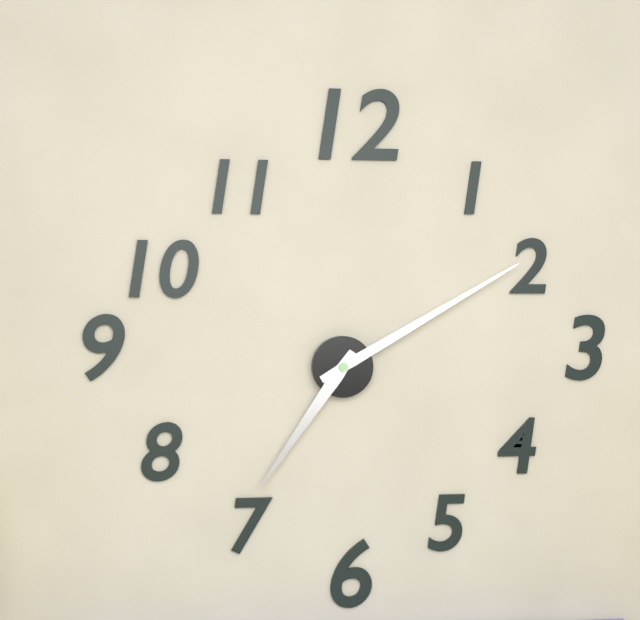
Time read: 7:10
